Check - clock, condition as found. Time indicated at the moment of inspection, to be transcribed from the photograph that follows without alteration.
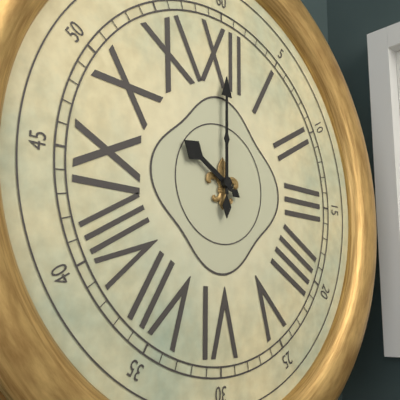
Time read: 10:00
